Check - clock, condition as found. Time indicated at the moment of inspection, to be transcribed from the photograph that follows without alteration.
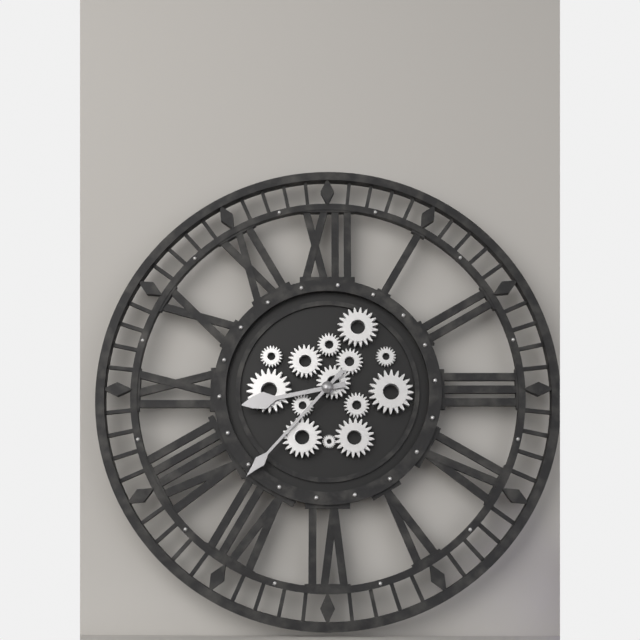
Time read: 8:37
